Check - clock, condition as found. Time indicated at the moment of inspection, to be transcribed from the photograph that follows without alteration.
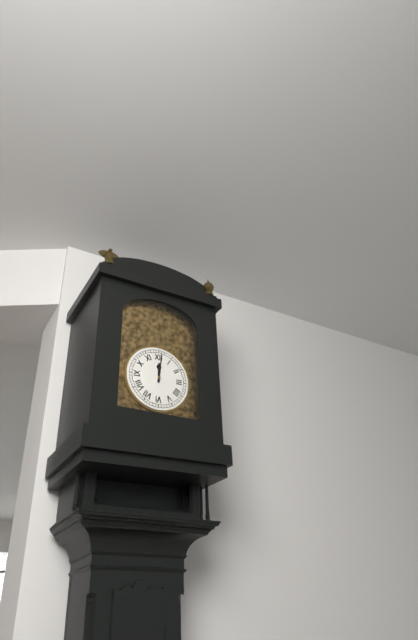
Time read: 12:01
